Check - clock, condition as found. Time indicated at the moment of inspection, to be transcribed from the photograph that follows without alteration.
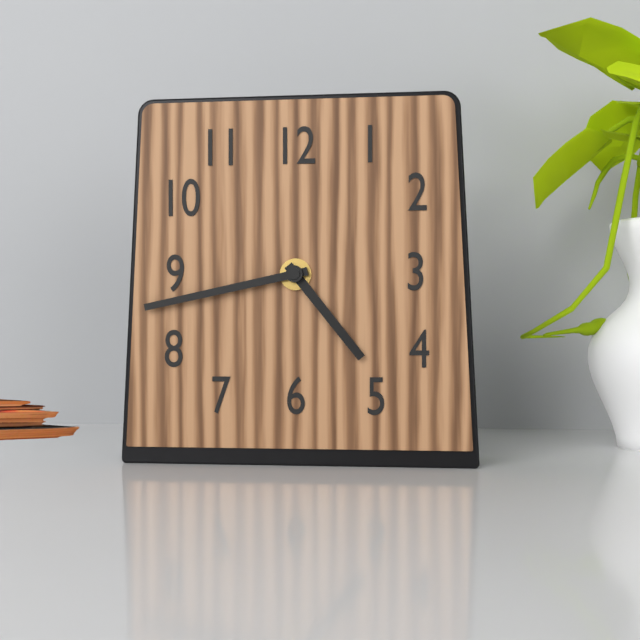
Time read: 4:43
